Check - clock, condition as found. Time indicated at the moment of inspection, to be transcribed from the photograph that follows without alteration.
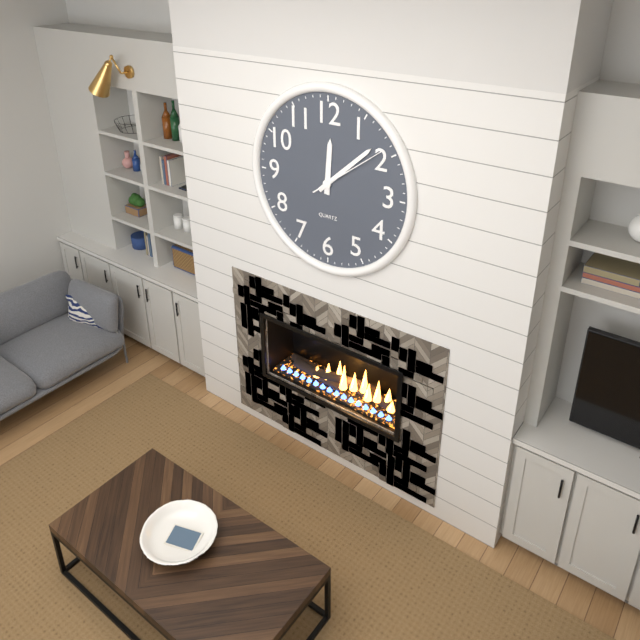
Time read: 12:08:09
